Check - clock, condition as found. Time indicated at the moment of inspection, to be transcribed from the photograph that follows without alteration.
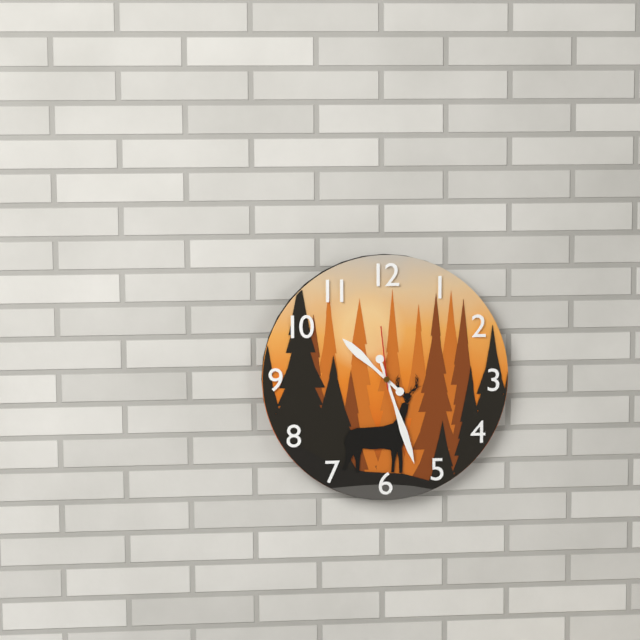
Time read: 10:27:59
